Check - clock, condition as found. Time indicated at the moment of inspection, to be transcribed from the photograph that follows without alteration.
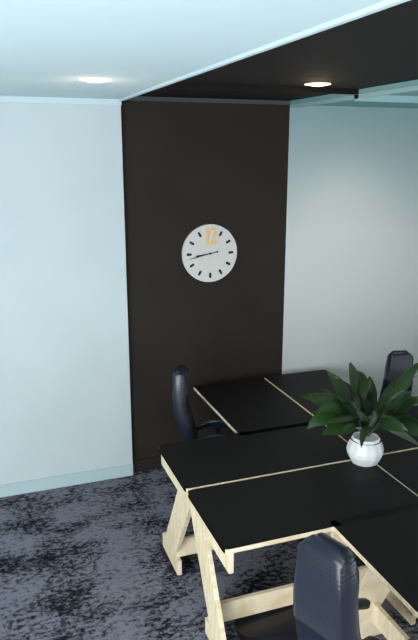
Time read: 8:43
